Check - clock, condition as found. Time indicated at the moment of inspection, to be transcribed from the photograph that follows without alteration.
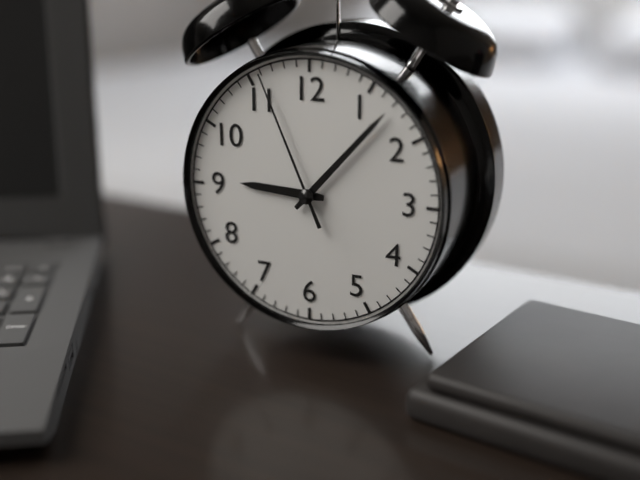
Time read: 9:07:56
